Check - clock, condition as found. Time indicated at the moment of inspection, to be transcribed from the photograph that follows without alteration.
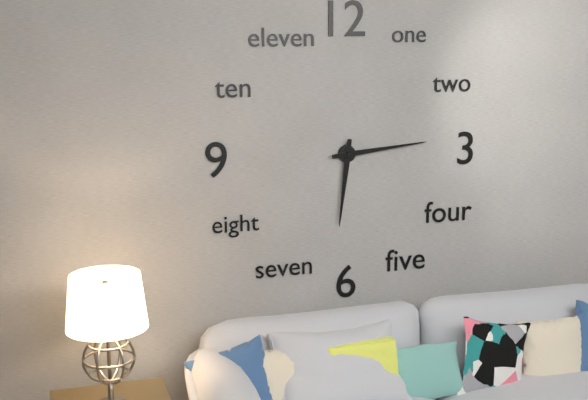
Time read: 6:14
